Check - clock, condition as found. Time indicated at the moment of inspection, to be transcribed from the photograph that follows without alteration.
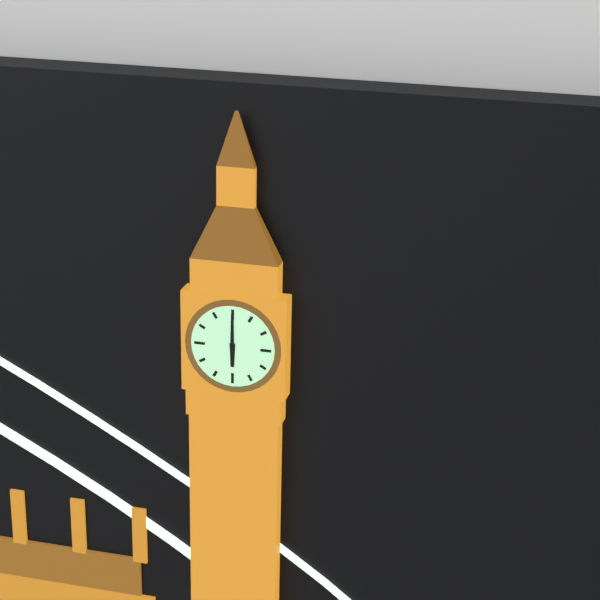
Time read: 6:00
